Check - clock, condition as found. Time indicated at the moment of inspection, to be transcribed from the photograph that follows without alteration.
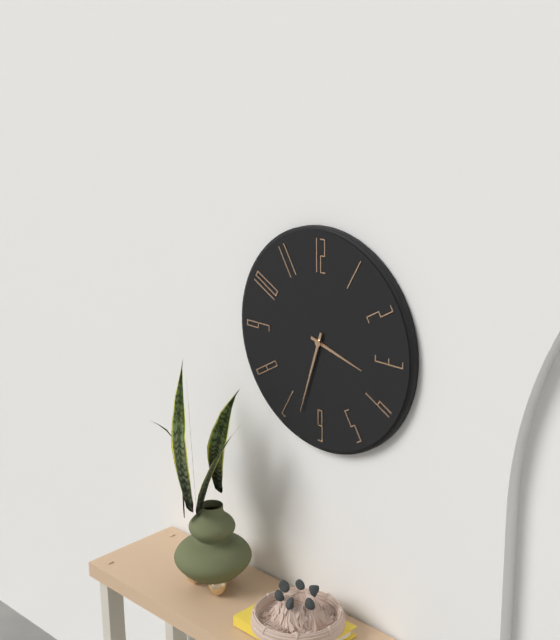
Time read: 3:33
